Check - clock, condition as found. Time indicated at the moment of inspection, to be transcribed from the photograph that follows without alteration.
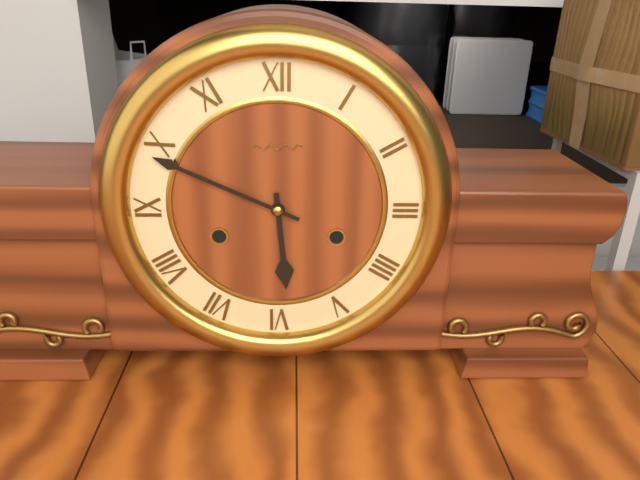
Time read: 5:49
